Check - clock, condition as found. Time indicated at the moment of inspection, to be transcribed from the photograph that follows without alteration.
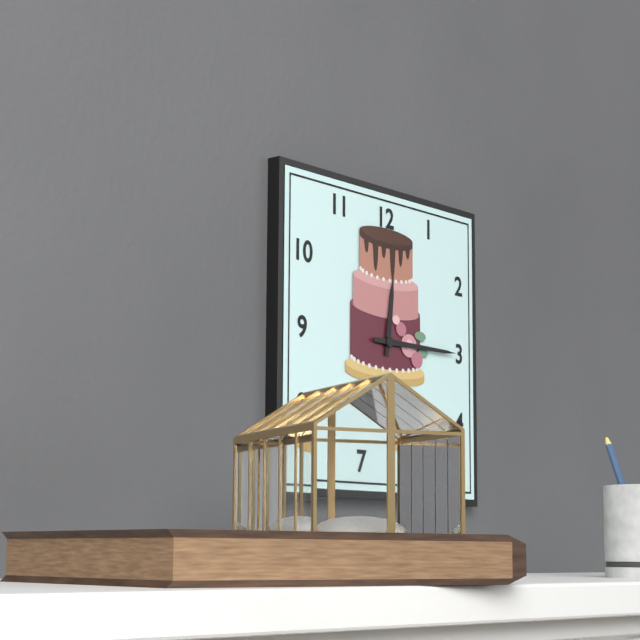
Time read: 12:15
